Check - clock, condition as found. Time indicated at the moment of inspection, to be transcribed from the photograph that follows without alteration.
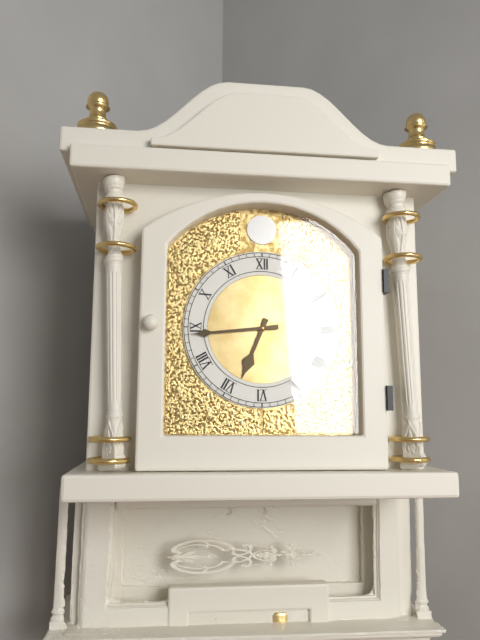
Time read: 6:44
